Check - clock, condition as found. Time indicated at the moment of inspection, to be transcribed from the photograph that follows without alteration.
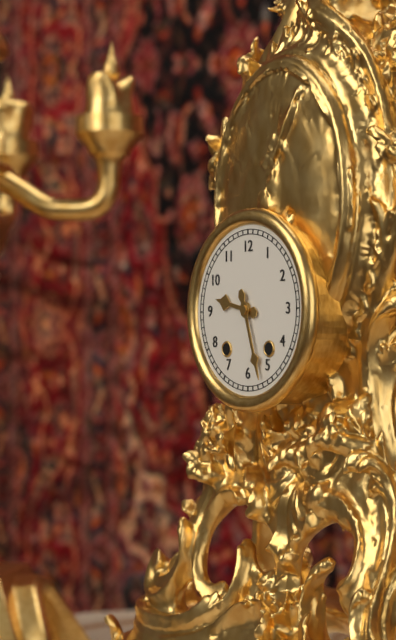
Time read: 9:27
